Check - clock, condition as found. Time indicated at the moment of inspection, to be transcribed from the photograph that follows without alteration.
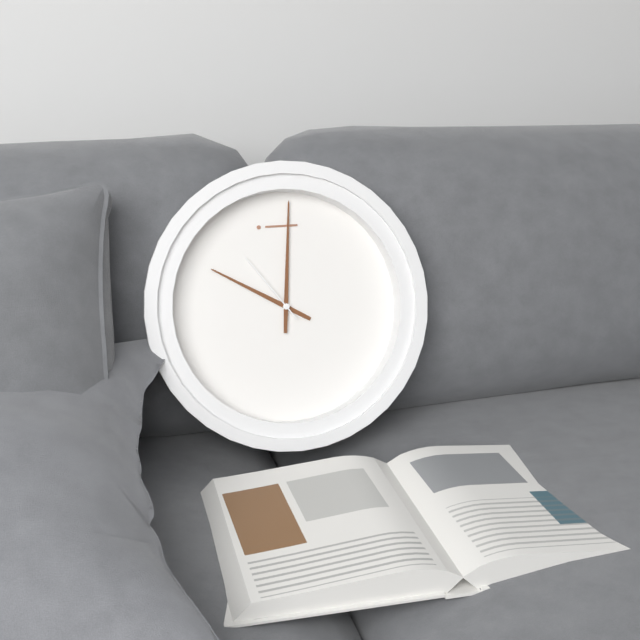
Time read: 10:01:54
